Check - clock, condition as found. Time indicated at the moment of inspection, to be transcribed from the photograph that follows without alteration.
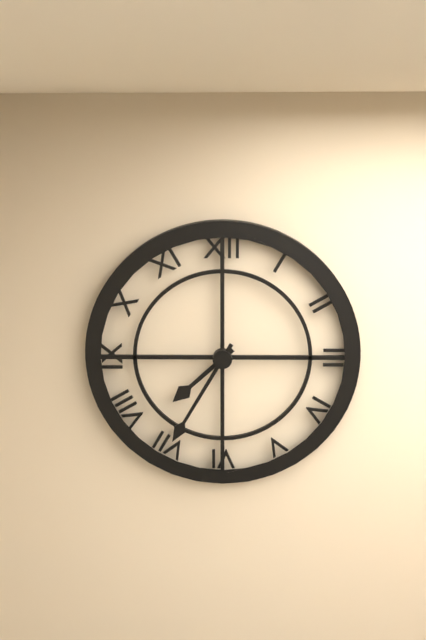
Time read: 7:35
